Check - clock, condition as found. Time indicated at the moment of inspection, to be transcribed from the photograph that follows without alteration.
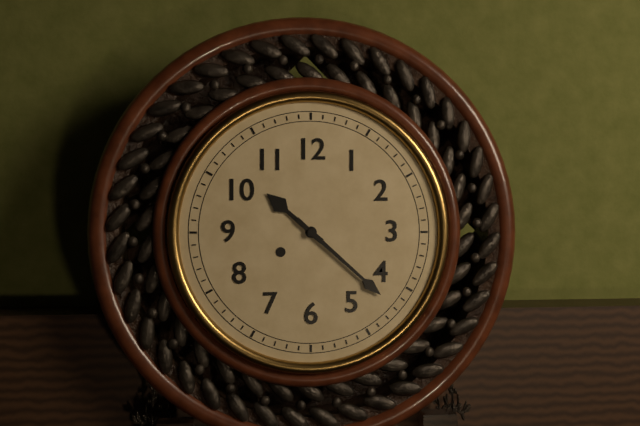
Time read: 10:22
